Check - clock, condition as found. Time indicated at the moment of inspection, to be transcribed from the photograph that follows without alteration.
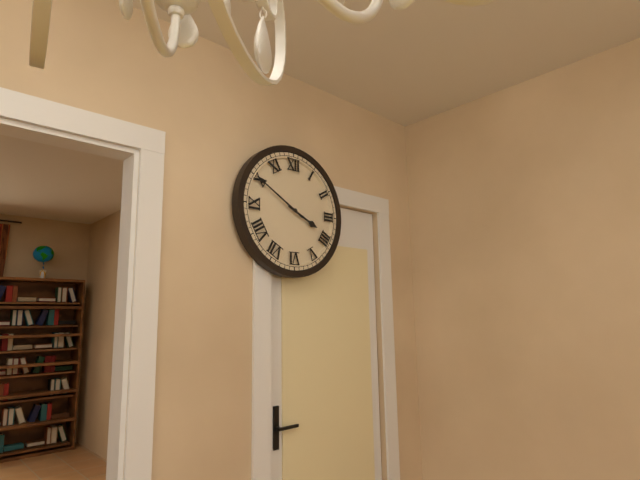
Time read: 3:50
